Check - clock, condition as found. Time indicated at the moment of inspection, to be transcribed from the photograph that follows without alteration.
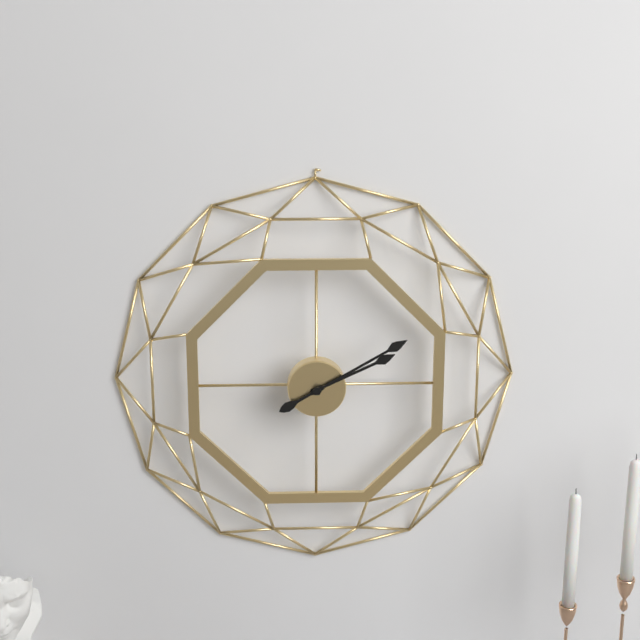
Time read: 2:10
